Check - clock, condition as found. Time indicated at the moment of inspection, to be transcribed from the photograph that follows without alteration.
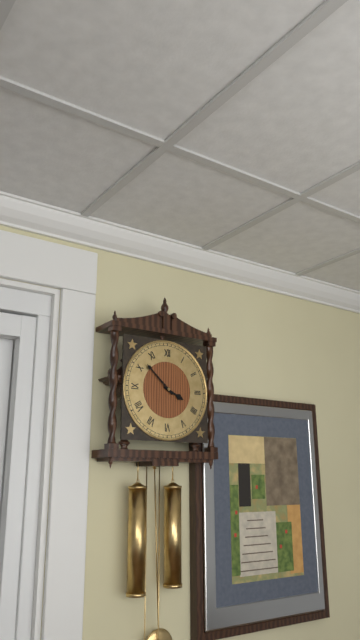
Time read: 3:52
